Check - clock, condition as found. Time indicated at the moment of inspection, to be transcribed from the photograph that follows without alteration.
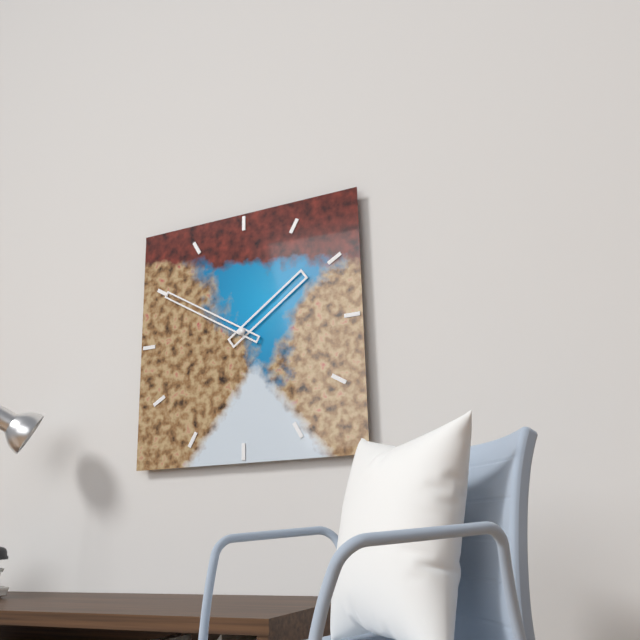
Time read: 1:50
